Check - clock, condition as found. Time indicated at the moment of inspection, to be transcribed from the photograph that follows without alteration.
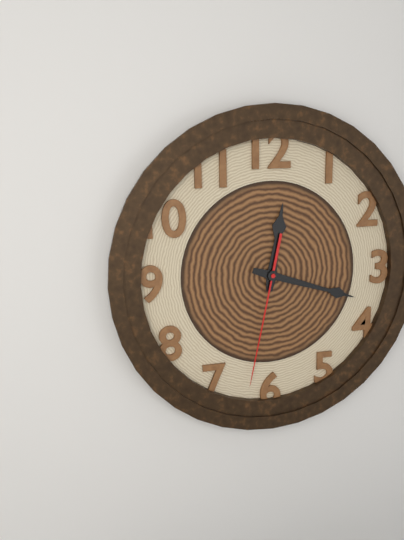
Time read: 12:18:32
